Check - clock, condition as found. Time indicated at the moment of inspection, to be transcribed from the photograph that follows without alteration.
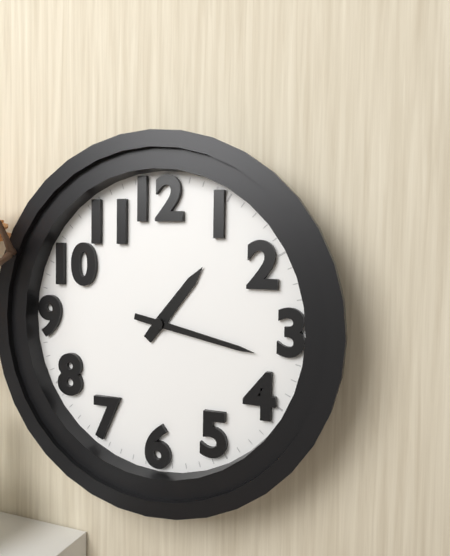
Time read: 1:17
